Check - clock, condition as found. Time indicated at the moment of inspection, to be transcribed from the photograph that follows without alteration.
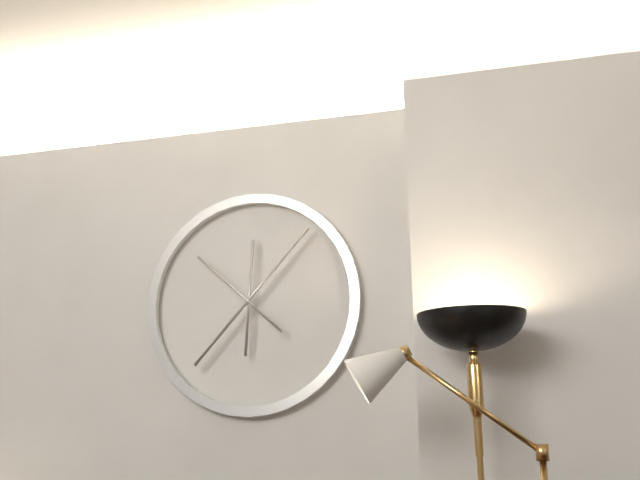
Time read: 12:07:52
